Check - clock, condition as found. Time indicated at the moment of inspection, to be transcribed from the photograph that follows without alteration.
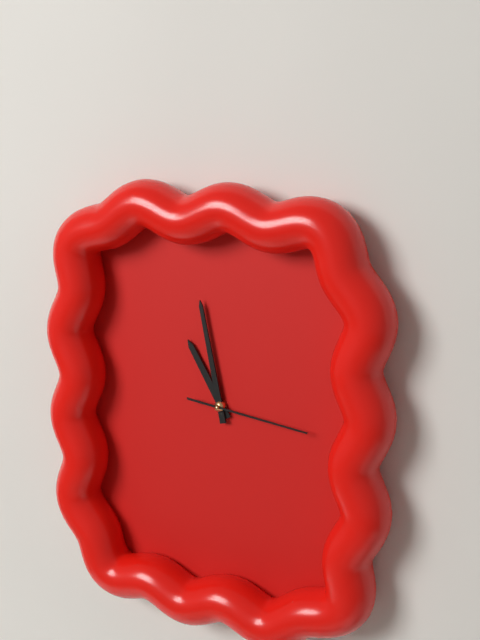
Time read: 10:58:16
